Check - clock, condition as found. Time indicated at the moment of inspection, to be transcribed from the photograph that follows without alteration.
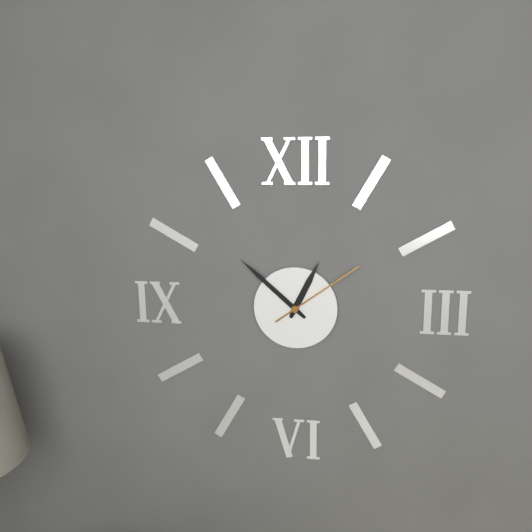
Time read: 12:52:09
